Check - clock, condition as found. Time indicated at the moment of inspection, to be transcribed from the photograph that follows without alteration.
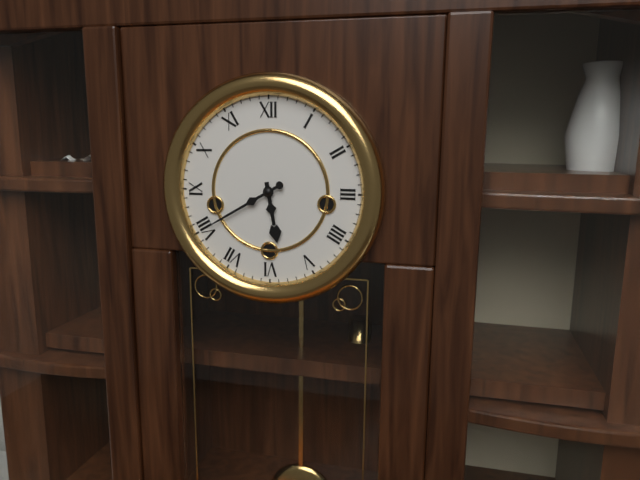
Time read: 5:40
